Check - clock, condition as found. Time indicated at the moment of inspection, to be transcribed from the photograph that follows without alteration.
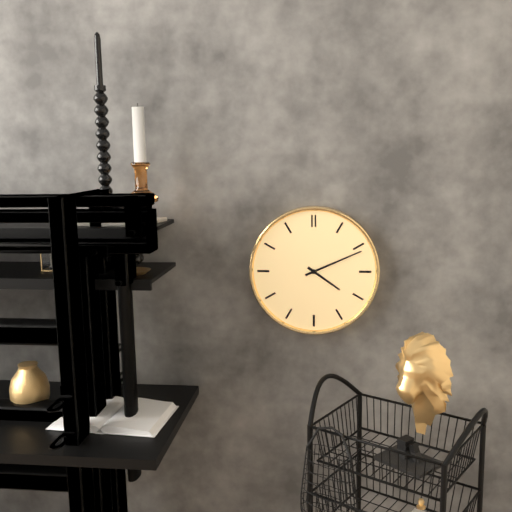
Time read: 4:11
